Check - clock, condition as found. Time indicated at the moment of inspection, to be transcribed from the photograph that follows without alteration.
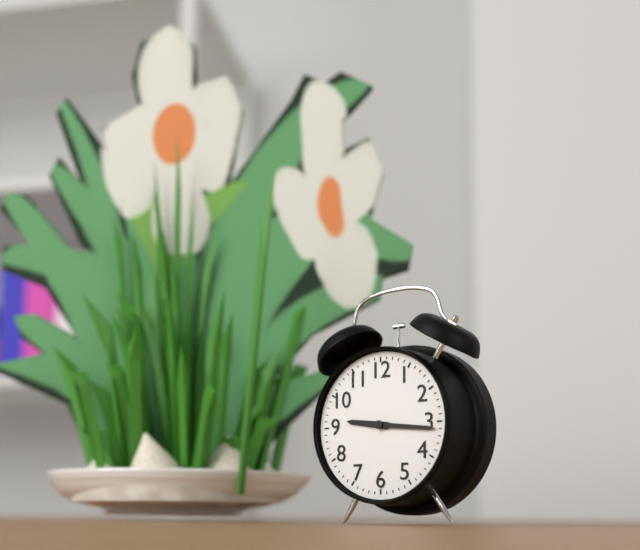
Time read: 9:16
